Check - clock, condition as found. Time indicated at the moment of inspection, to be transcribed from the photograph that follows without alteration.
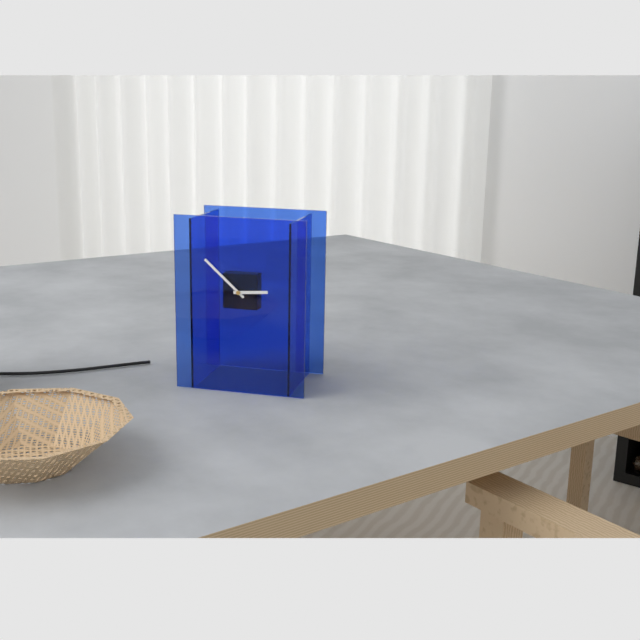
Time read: 2:52
